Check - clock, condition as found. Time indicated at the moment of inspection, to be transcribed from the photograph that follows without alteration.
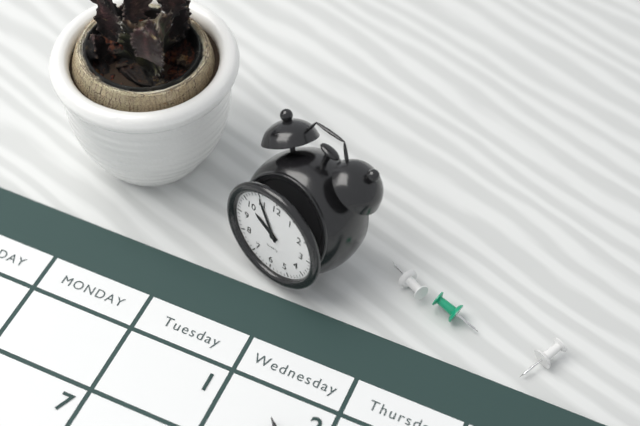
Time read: 9:55
